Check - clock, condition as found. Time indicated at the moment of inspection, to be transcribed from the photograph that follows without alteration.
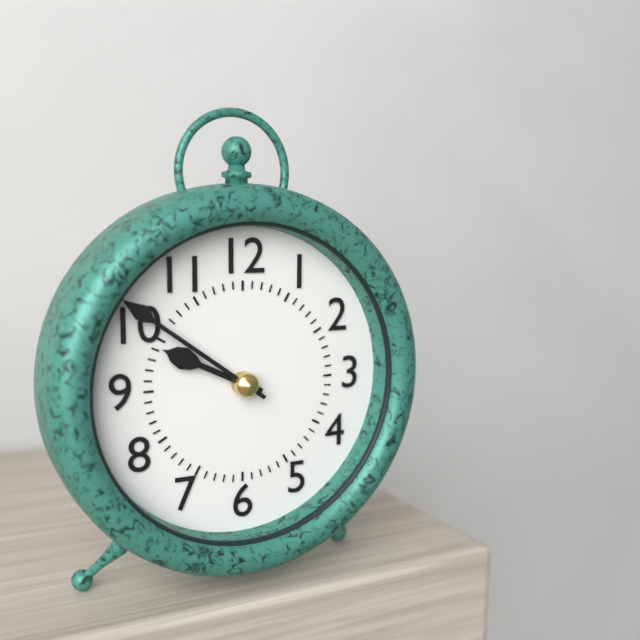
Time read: 9:51
